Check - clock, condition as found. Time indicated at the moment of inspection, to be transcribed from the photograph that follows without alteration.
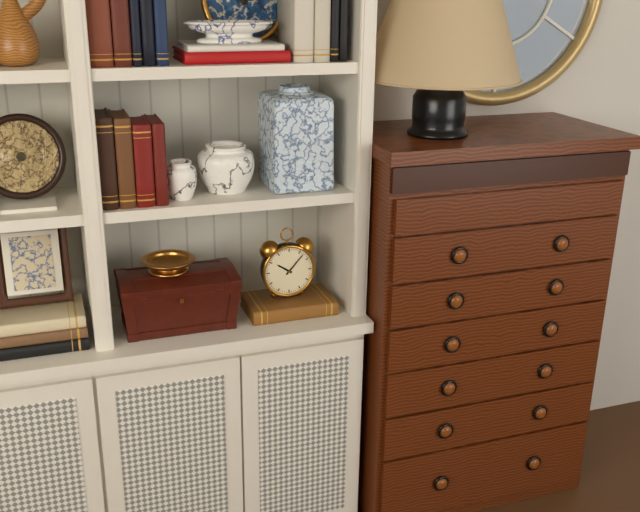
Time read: 10:07
